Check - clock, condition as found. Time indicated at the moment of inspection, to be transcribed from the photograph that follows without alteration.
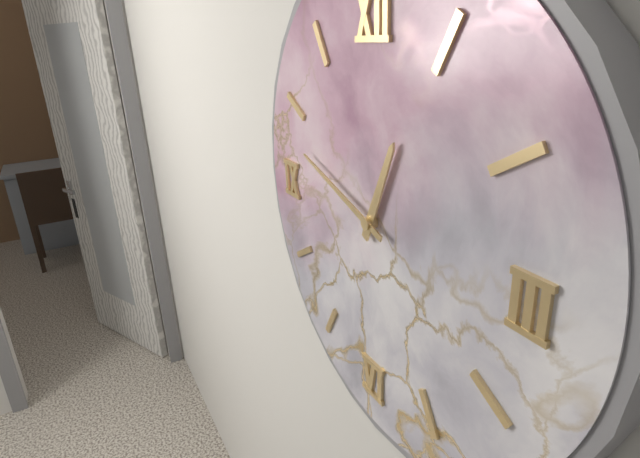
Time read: 12:48
